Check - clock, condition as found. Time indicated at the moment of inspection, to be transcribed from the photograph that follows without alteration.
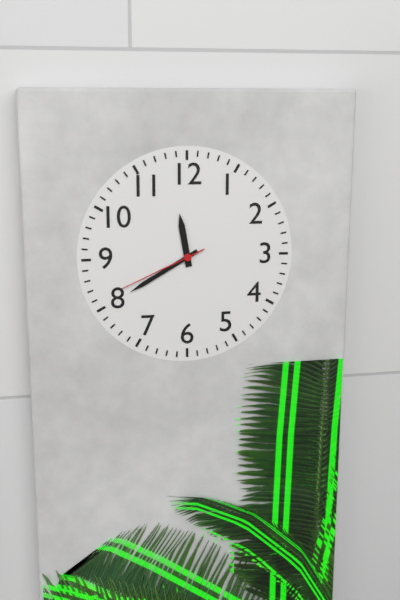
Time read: 11:40:41
